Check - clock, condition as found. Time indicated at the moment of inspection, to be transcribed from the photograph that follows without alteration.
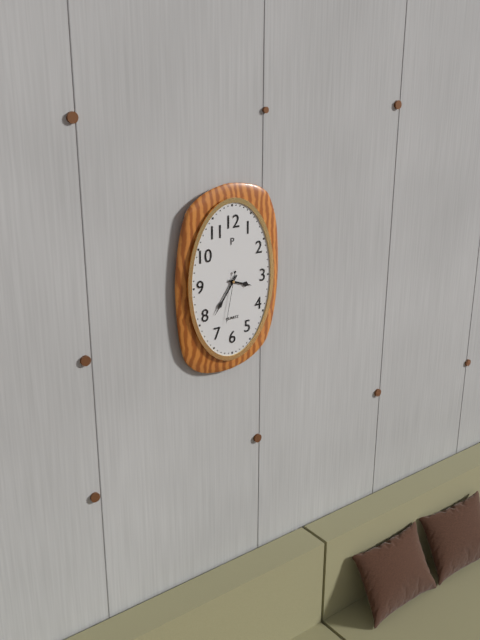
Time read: 3:36:32
